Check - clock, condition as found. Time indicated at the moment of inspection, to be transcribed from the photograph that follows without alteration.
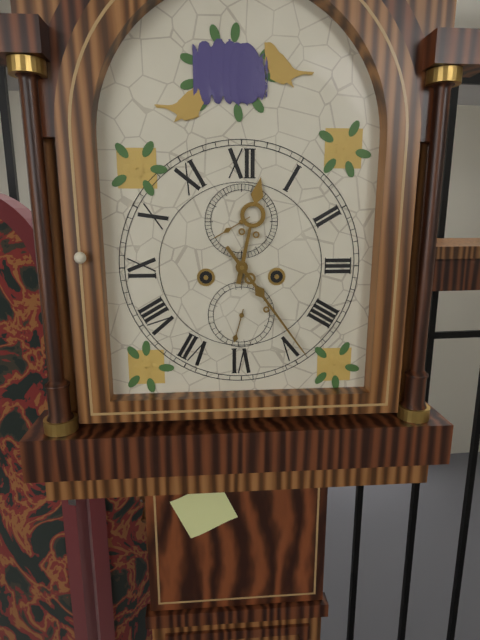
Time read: 12:24
